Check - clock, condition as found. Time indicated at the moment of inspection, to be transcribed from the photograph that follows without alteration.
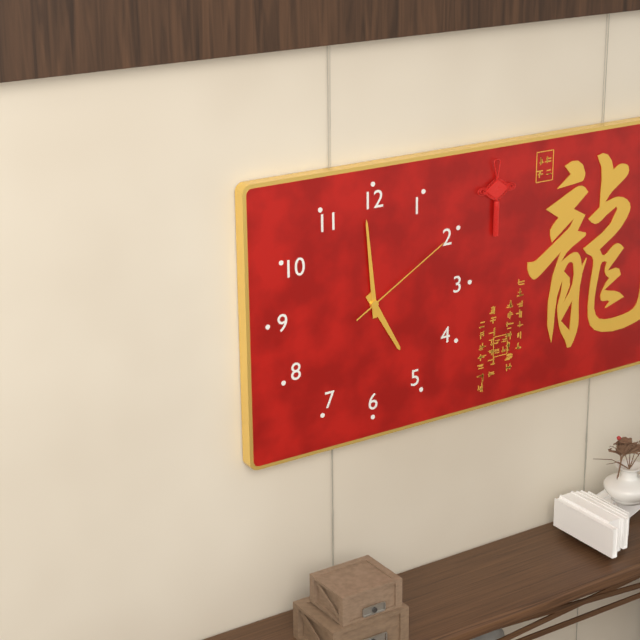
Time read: 4:59:10
